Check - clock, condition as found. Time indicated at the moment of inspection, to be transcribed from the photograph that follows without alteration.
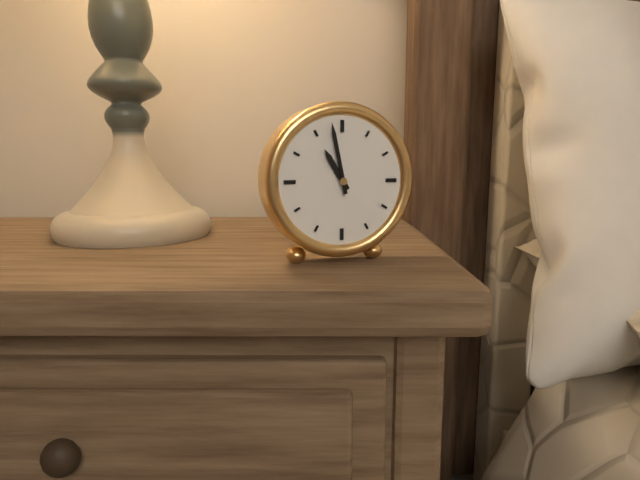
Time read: 10:58
